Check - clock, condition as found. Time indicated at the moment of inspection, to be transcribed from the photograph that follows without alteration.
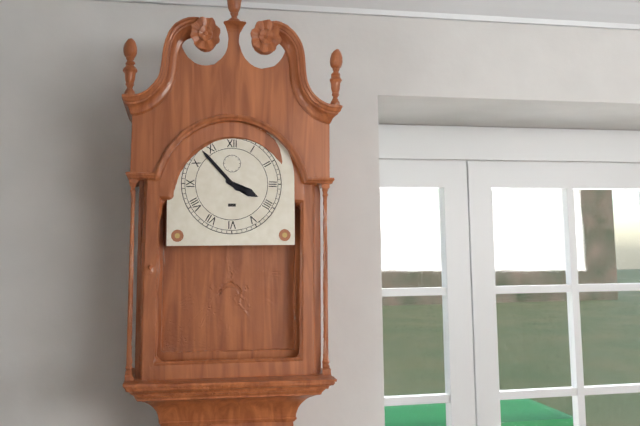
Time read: 3:53
